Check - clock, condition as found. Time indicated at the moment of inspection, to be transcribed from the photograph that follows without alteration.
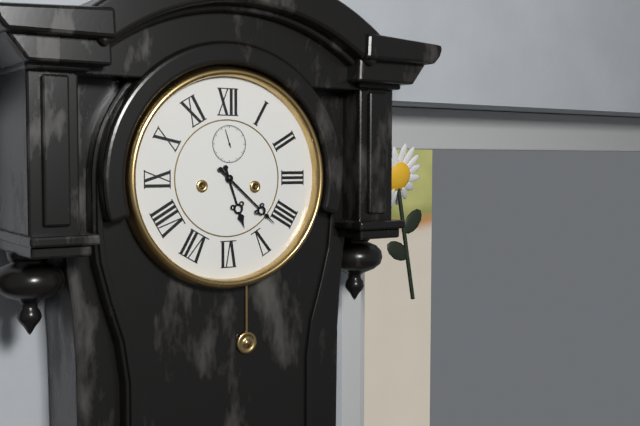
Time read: 5:22
